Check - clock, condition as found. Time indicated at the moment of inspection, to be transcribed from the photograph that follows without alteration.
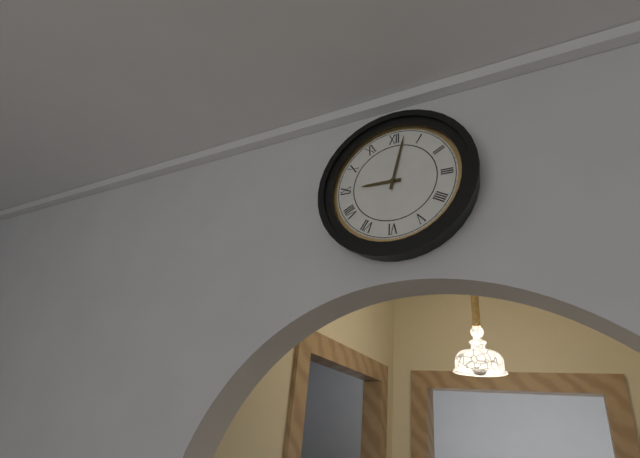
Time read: 9:02
